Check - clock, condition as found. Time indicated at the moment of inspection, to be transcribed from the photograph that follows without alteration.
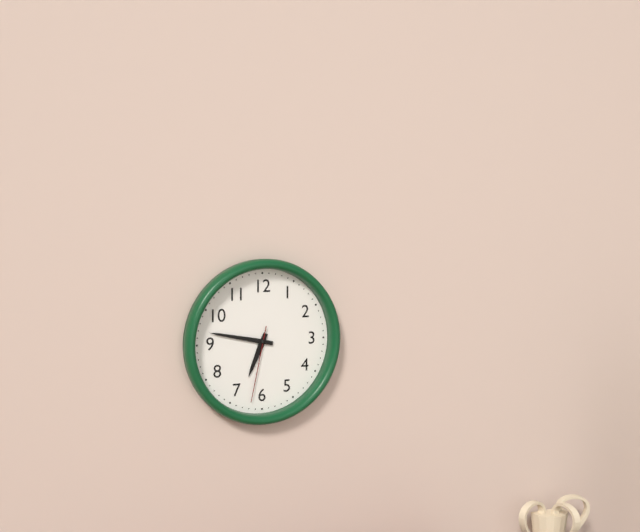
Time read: 6:47:32
